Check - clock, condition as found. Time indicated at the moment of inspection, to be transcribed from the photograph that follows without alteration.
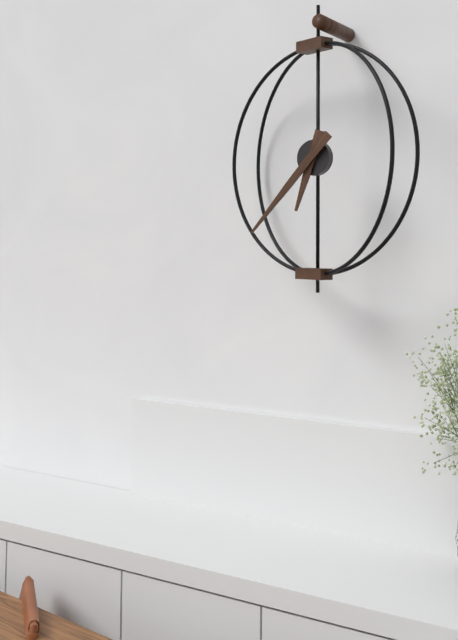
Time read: 6:37
